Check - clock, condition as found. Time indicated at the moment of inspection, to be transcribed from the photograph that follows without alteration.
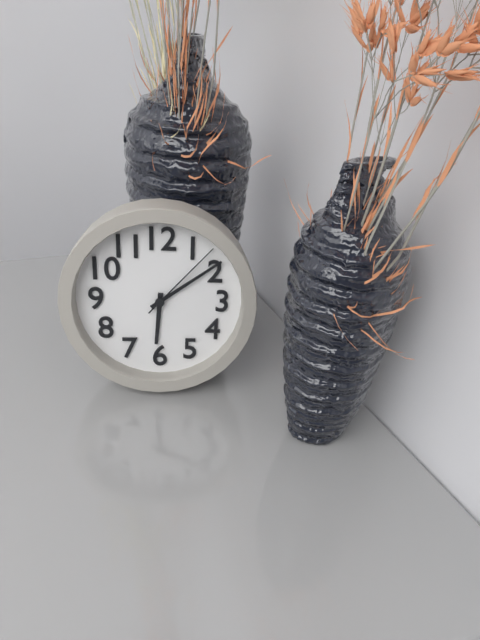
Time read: 6:09:07
